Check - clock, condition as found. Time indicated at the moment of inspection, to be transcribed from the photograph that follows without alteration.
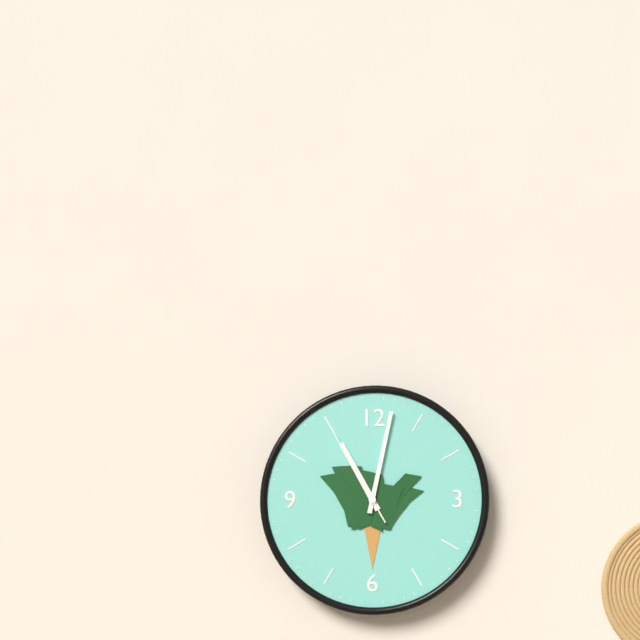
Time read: 11:02:55
